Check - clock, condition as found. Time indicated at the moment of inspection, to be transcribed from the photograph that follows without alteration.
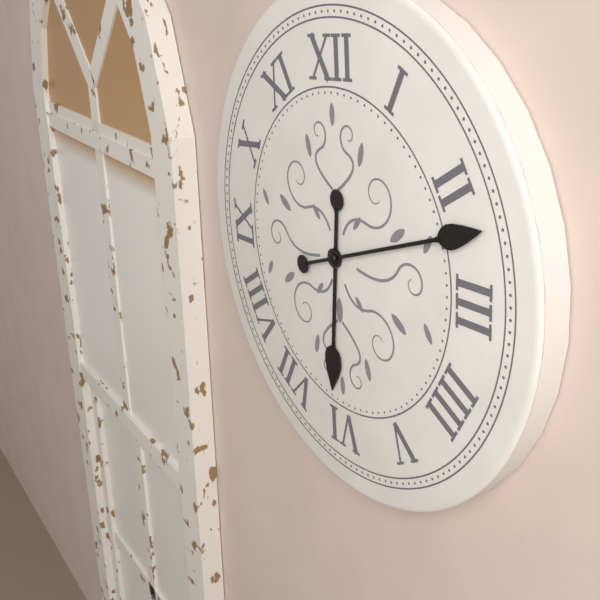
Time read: 6:12
